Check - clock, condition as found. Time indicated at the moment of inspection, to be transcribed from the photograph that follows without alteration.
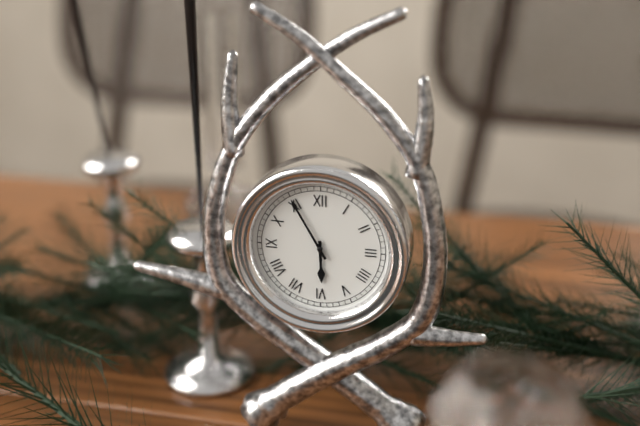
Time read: 5:55
